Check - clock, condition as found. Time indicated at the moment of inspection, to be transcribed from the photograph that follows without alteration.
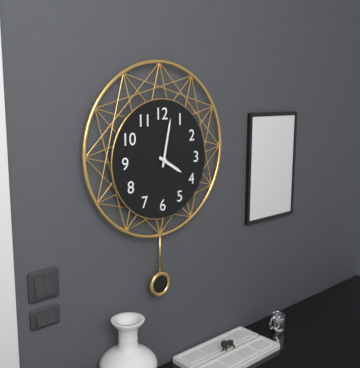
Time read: 4:02
